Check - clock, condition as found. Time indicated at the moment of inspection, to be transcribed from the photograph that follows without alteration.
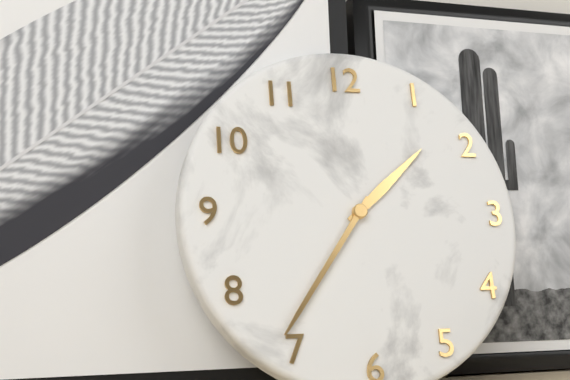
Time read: 1:36
